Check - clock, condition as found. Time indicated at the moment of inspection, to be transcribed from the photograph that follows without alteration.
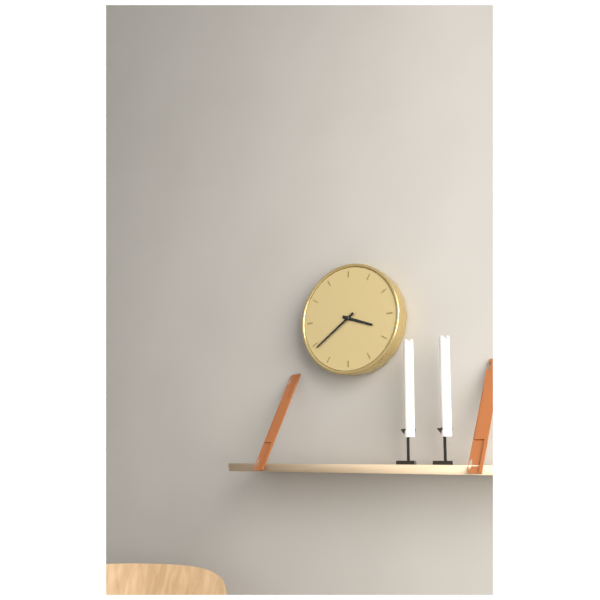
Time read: 3:39
